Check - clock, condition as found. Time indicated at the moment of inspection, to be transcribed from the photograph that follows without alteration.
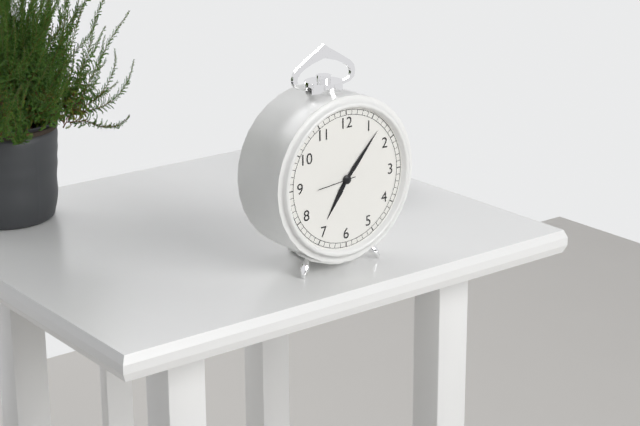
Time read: 7:07
